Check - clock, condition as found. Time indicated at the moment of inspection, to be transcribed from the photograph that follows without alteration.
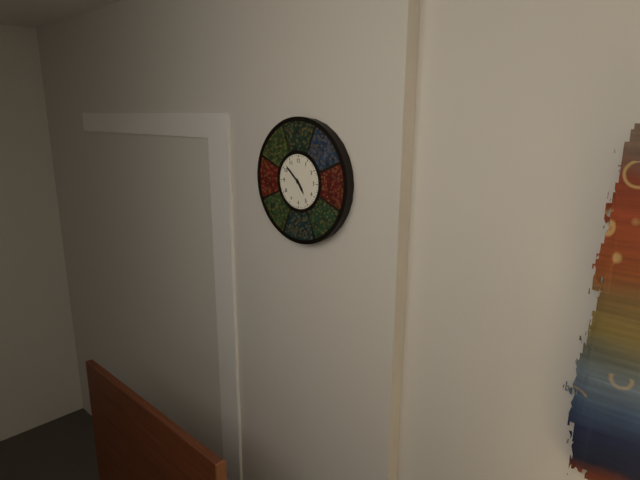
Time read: 4:52
